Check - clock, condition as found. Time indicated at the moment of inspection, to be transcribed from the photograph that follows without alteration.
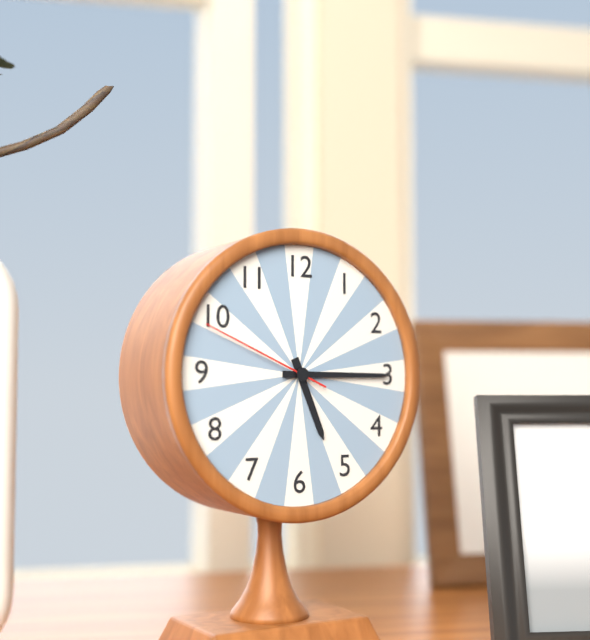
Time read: 5:15:49
